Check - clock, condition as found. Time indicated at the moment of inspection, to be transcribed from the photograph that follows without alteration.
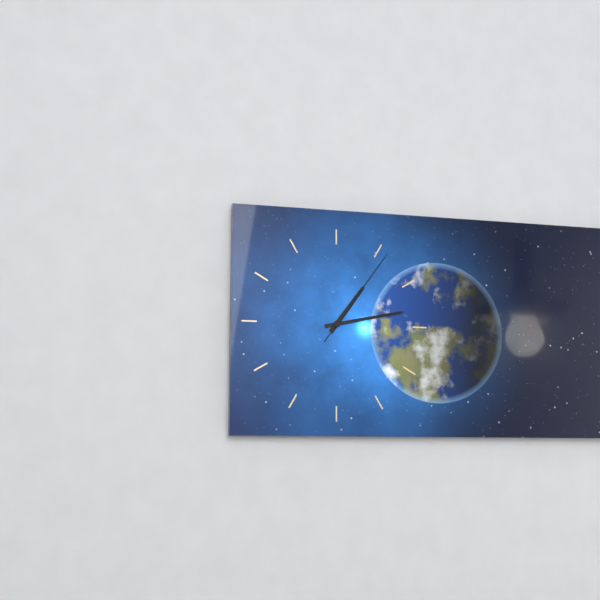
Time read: 1:13:06
